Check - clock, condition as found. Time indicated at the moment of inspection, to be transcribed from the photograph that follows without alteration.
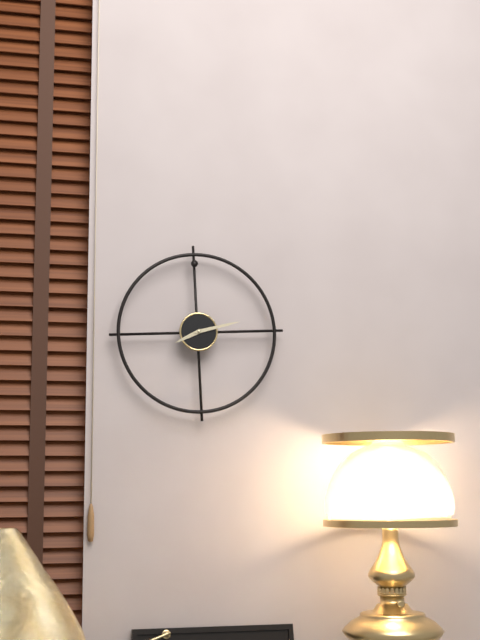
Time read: 8:13
